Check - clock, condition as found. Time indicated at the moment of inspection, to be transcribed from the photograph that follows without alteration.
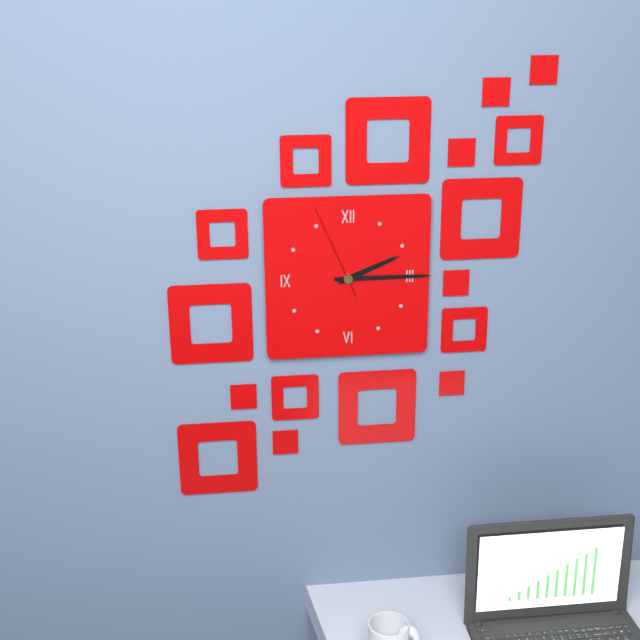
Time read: 2:15:56
